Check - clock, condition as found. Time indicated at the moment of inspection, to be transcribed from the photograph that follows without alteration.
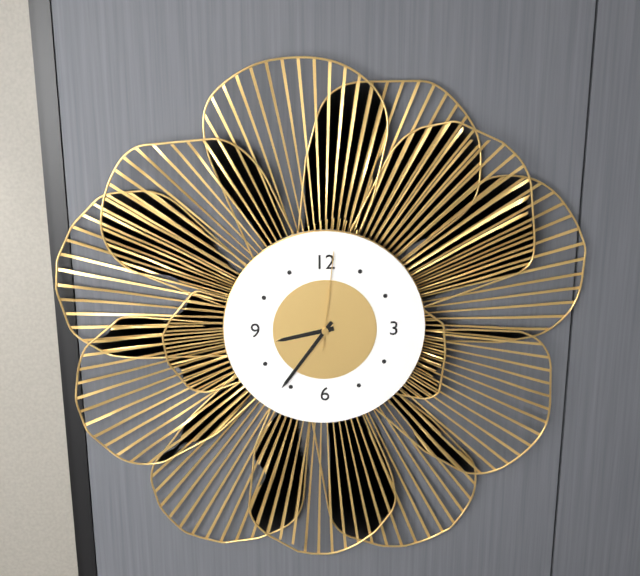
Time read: 8:36:01
